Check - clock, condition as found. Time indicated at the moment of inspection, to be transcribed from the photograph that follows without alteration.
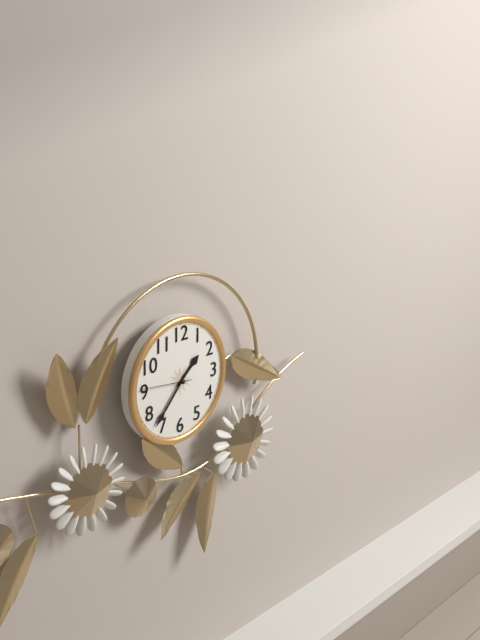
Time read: 1:37:46
